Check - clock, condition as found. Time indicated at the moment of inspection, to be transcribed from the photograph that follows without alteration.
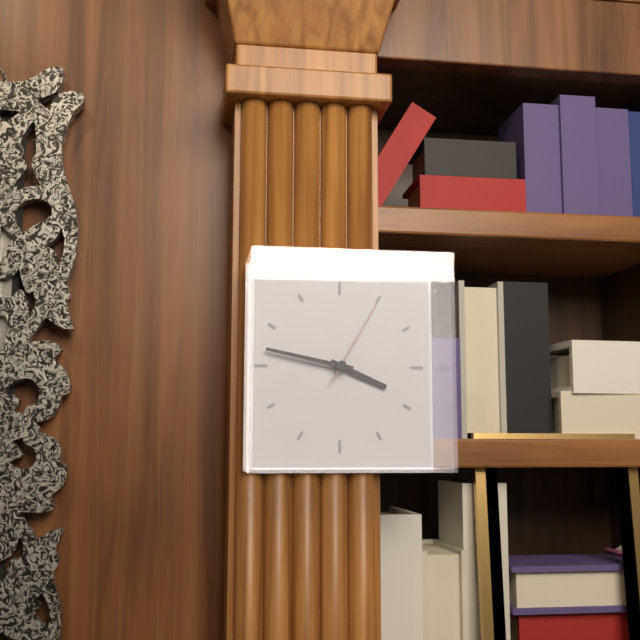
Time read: 3:47:05
